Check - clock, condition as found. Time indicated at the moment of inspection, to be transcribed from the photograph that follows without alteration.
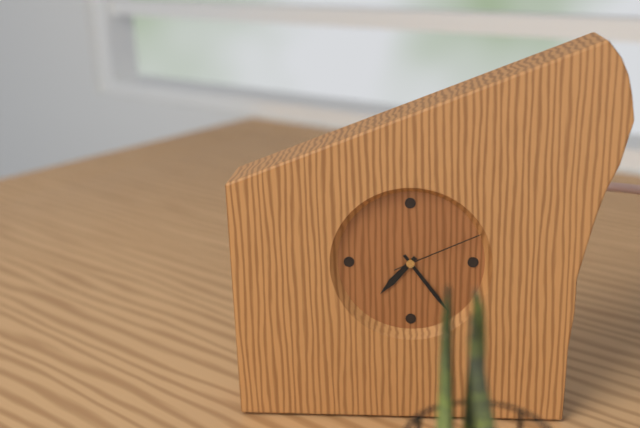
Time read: 7:24:11
